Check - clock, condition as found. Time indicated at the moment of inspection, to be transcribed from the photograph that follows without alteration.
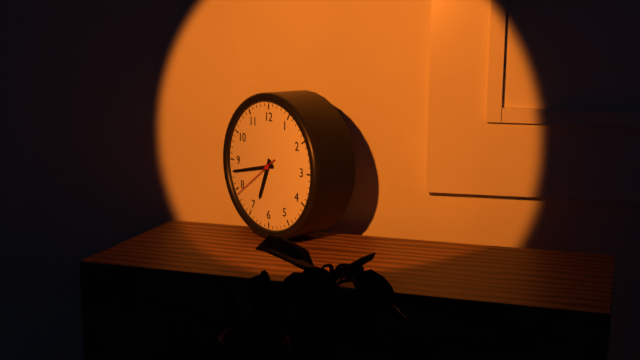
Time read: 6:43:39
